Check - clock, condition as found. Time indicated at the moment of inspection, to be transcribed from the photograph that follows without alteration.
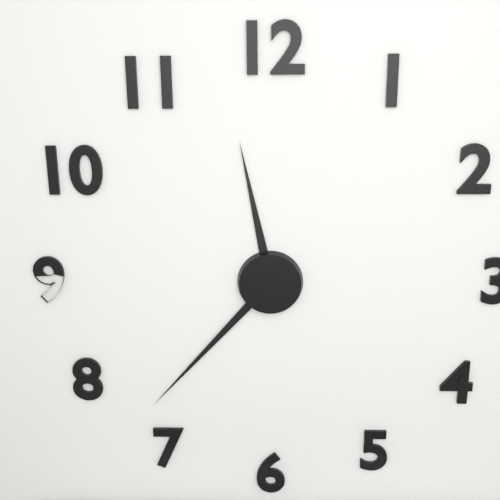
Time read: 11:37
